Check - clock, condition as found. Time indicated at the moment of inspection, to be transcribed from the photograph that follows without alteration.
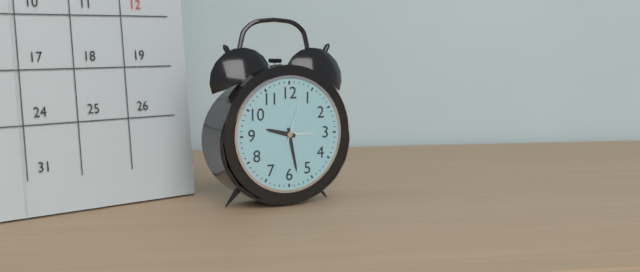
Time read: 9:28
